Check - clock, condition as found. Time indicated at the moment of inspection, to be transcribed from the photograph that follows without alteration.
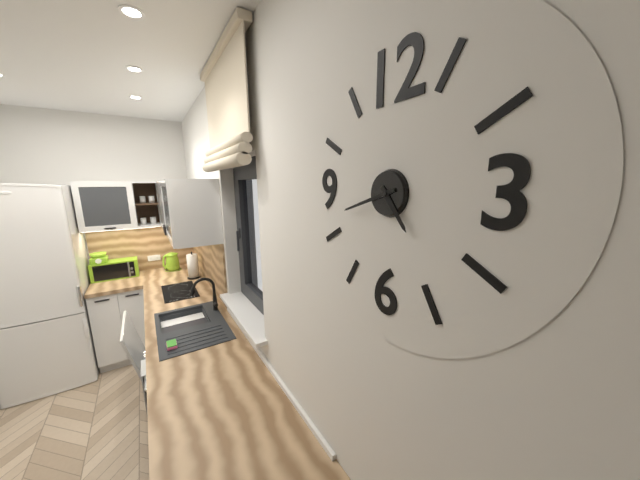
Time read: 4:42
